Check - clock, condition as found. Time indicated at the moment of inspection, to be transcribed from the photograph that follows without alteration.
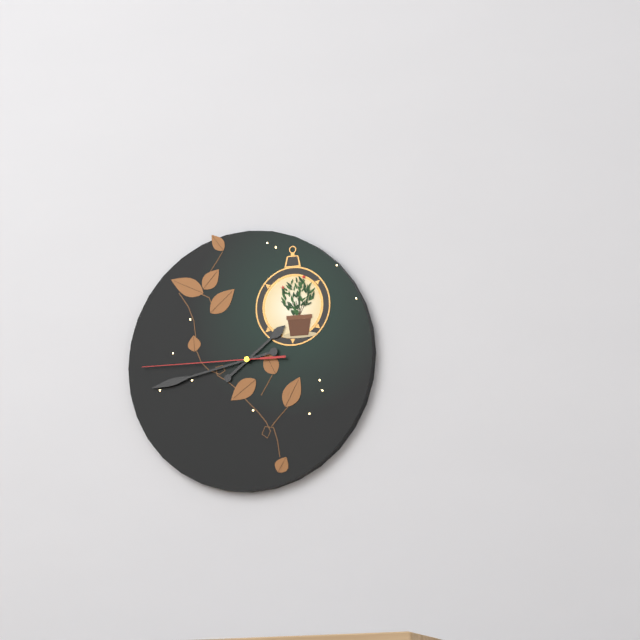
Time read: 1:43:45
